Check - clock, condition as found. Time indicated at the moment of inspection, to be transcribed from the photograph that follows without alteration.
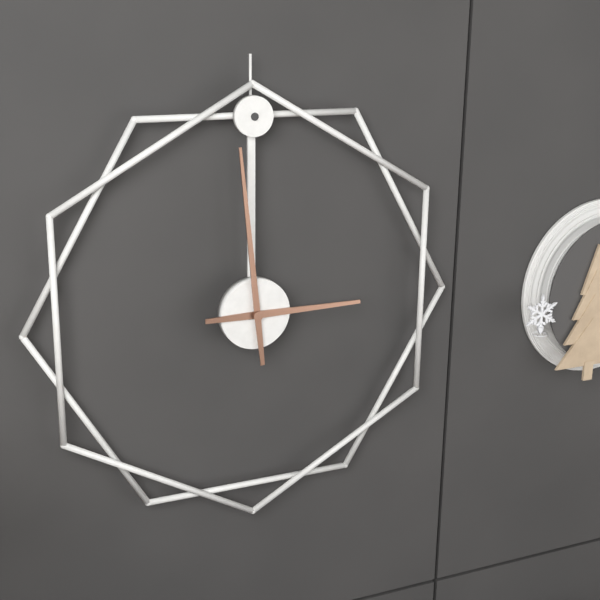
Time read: 2:59
